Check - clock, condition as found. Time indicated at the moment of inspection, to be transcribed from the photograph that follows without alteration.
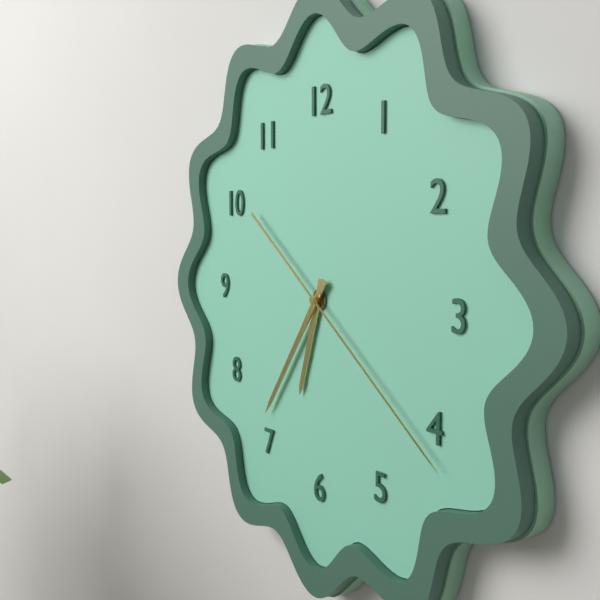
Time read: 6:36:21
